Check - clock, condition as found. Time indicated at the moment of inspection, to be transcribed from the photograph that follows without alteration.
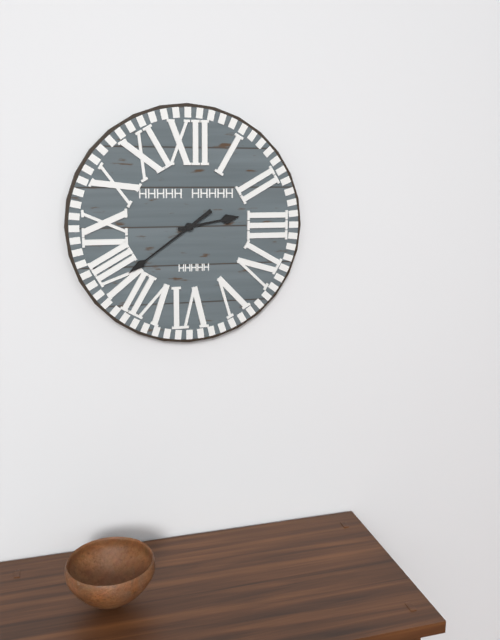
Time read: 2:39
